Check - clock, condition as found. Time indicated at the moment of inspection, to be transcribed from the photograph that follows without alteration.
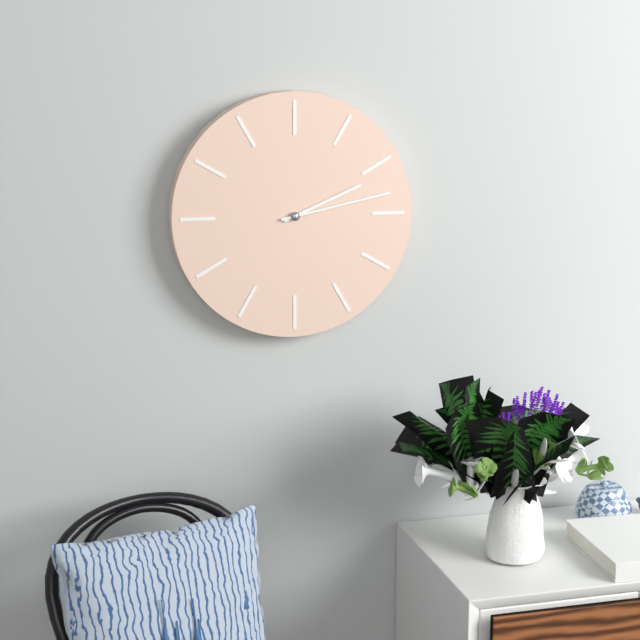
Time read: 2:13
